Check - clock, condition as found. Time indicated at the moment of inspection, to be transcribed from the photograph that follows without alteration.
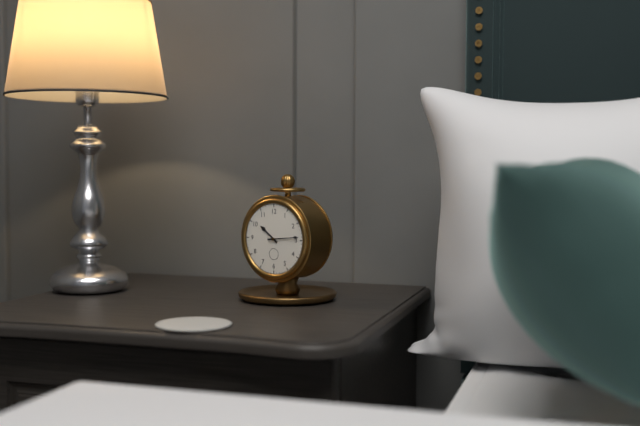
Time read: 10:14
